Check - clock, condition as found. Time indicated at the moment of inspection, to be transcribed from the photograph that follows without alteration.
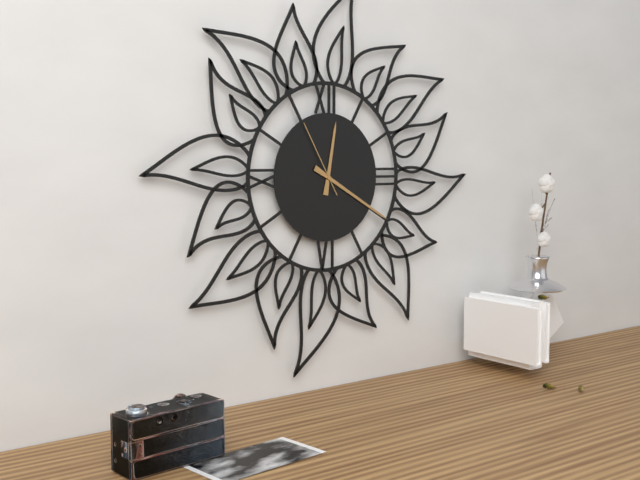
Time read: 12:20:55
